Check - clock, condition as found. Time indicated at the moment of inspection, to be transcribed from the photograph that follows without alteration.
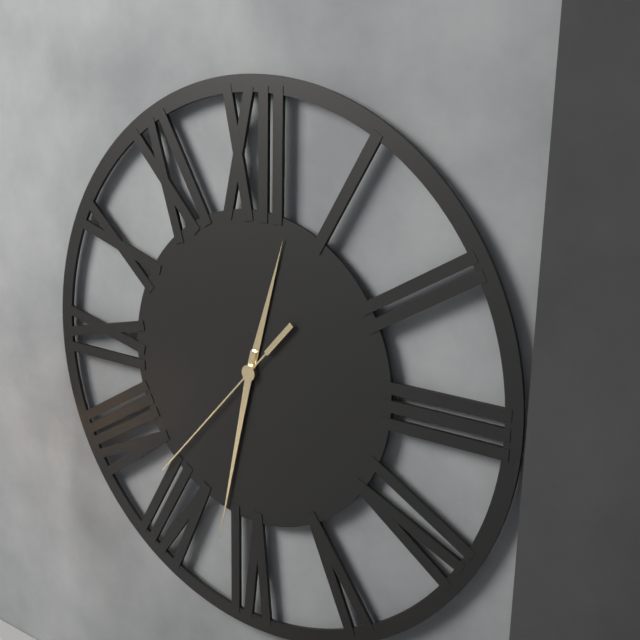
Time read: 12:32:37
